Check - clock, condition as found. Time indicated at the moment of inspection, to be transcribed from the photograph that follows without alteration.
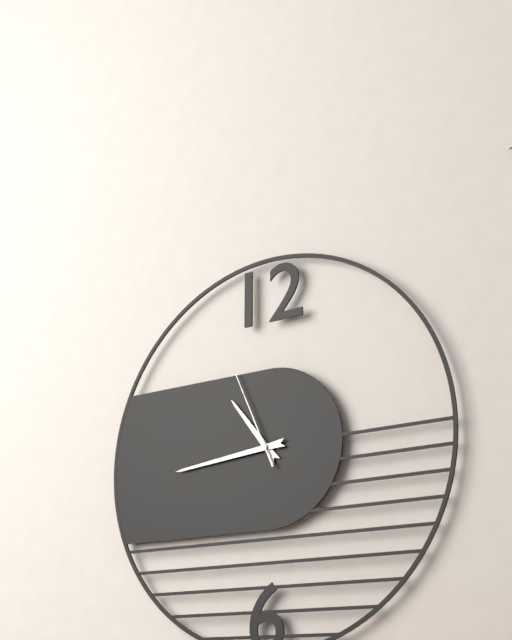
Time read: 10:44:56
